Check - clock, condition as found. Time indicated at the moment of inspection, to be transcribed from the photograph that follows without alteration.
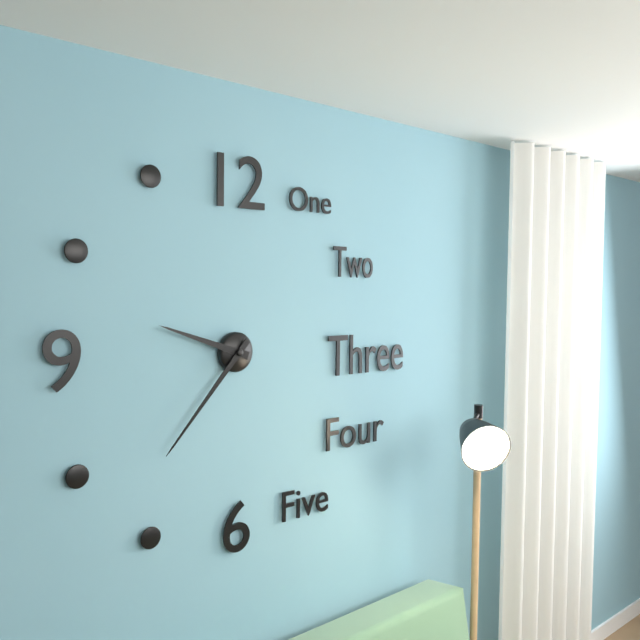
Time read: 9:37
